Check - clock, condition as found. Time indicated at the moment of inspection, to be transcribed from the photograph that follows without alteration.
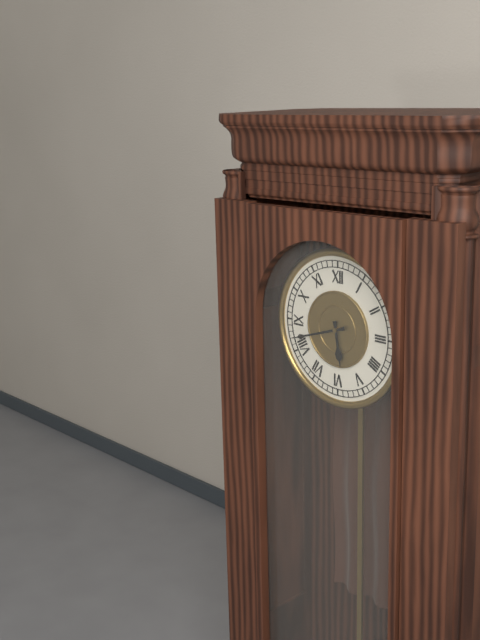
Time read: 5:42
